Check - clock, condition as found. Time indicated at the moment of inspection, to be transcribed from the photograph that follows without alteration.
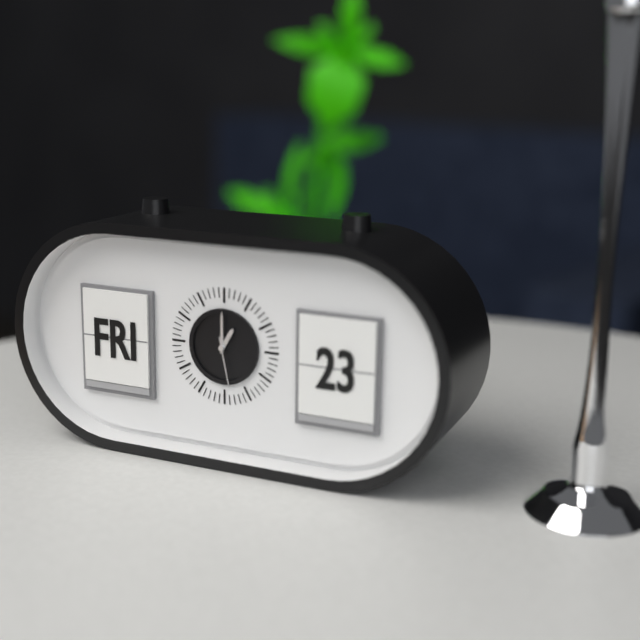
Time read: 1:00:28
